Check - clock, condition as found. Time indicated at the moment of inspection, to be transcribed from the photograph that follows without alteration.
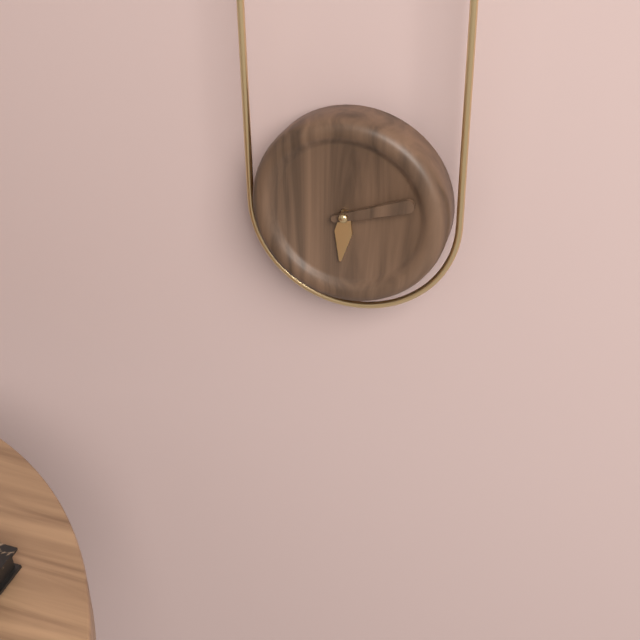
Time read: 6:12
